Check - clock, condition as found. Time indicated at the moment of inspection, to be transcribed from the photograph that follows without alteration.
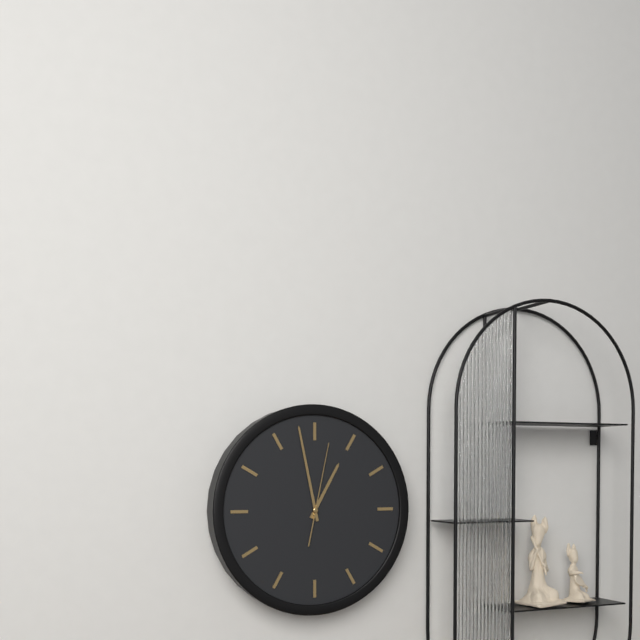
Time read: 12:58:02
